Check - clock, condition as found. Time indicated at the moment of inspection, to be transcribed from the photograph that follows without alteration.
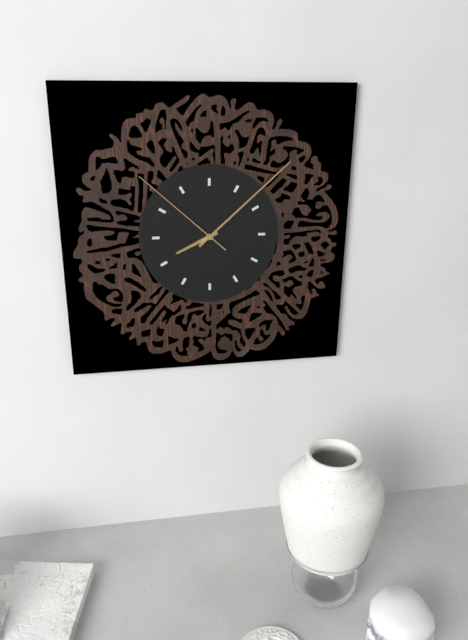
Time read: 8:08:52
